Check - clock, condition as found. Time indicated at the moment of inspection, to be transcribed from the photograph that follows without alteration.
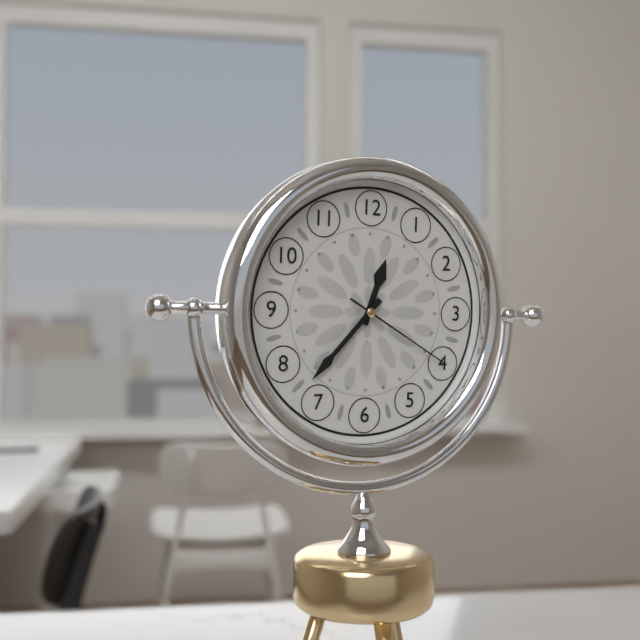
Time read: 12:37:20
